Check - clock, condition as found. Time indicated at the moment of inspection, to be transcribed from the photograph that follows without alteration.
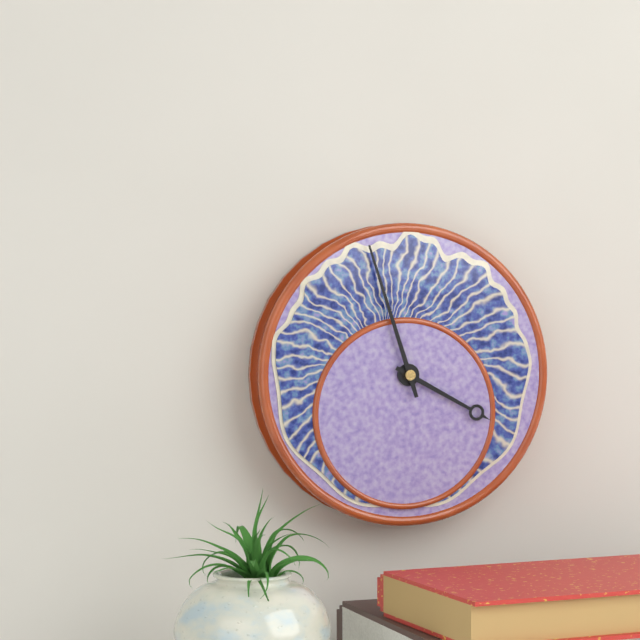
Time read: 3:57
